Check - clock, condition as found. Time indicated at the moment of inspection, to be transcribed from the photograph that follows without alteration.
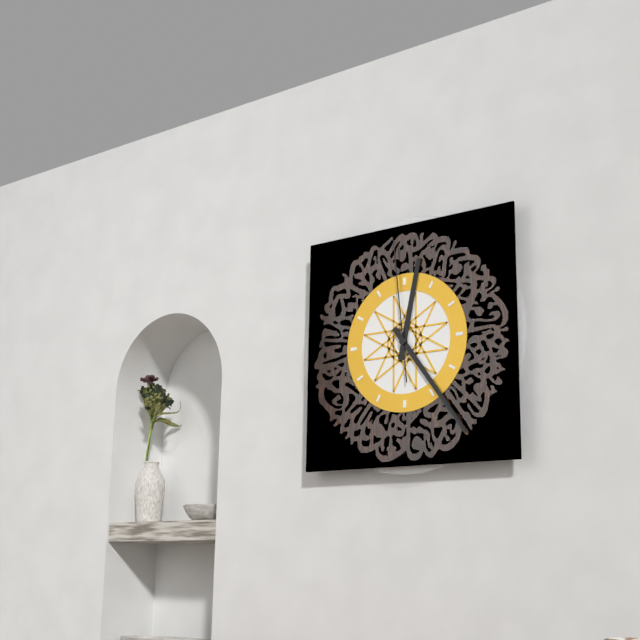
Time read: 12:24:59
